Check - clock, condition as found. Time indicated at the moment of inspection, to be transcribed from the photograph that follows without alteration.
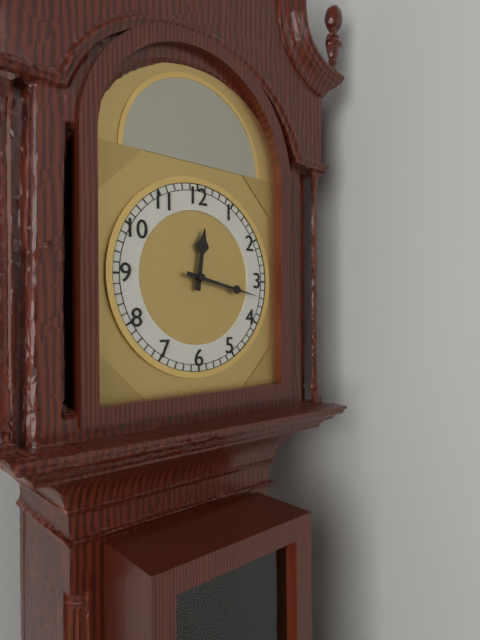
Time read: 12:17
